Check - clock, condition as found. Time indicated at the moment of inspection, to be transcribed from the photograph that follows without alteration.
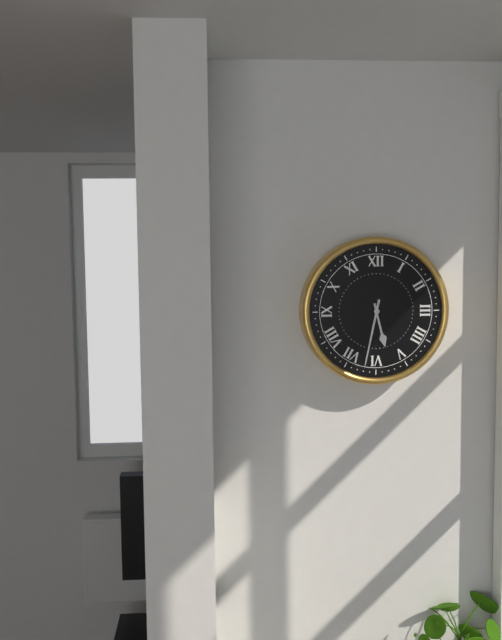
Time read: 5:32
